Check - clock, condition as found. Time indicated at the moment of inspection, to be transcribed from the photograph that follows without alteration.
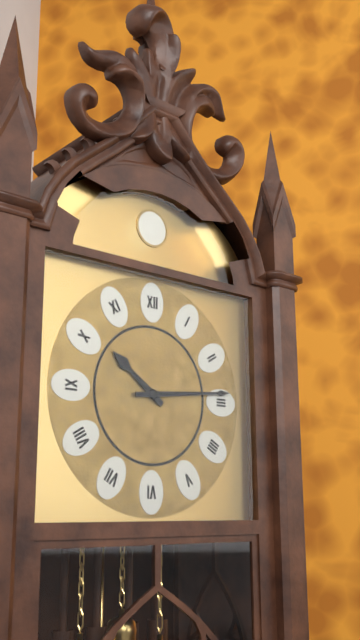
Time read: 10:14
